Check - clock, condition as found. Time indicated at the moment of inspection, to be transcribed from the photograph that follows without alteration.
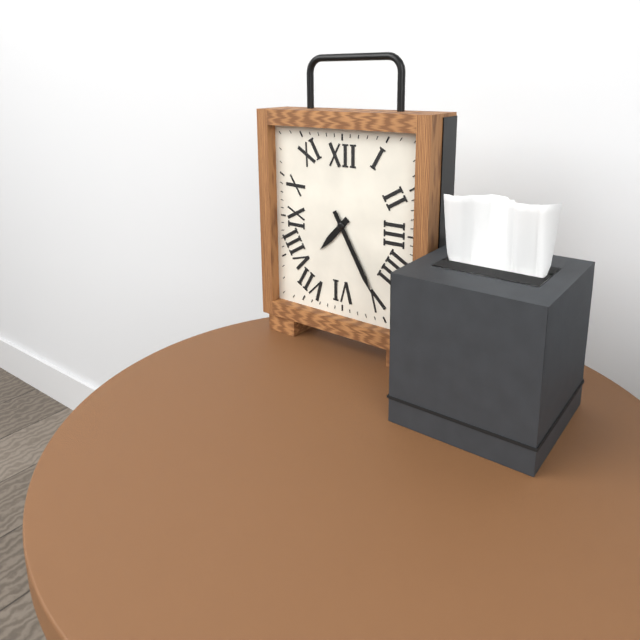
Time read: 7:25
